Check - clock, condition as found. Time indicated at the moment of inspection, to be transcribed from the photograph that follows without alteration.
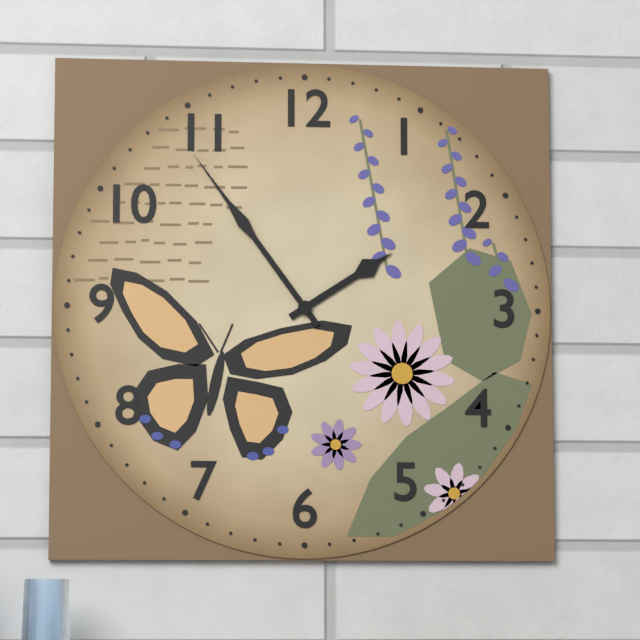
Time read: 1:54
